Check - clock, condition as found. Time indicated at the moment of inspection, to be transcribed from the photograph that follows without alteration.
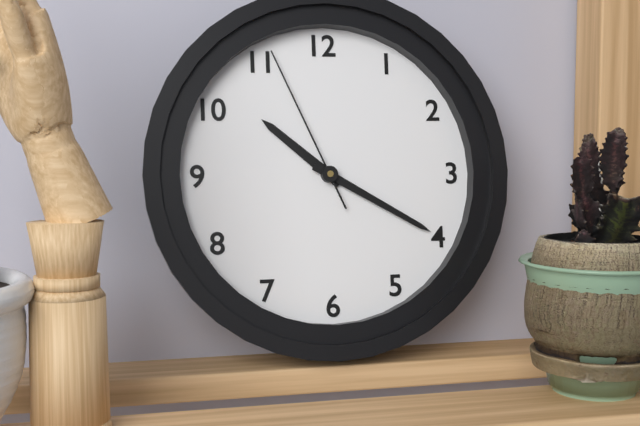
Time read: 10:20:56
